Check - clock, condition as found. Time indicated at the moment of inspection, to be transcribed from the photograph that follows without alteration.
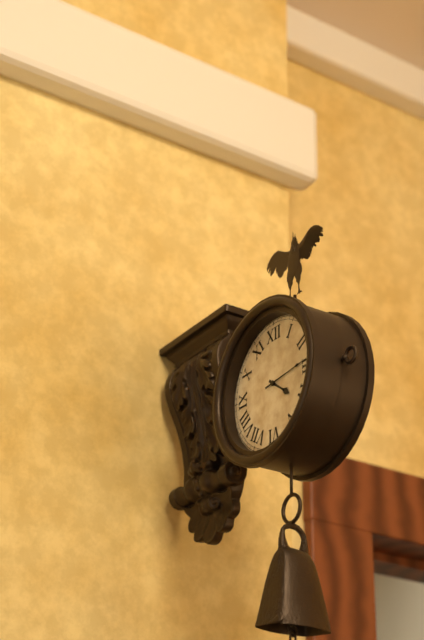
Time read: 4:14
